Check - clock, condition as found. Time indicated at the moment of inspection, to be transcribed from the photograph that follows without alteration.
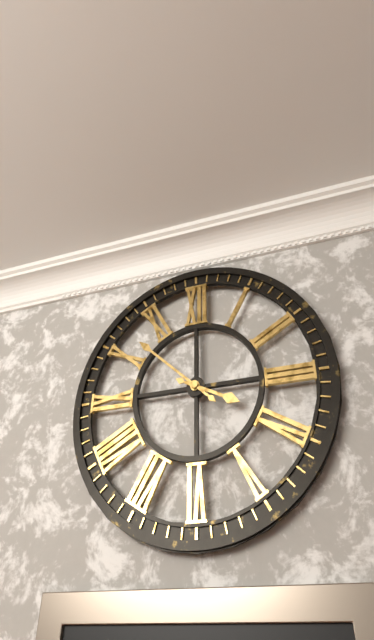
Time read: 3:52
